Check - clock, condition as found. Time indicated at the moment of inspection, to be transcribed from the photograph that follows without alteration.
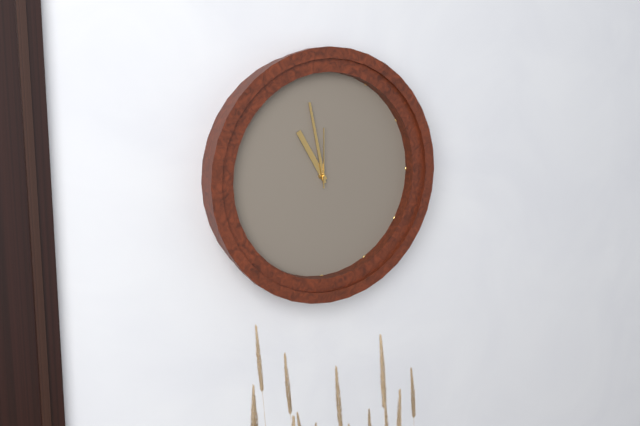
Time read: 10:58:00
